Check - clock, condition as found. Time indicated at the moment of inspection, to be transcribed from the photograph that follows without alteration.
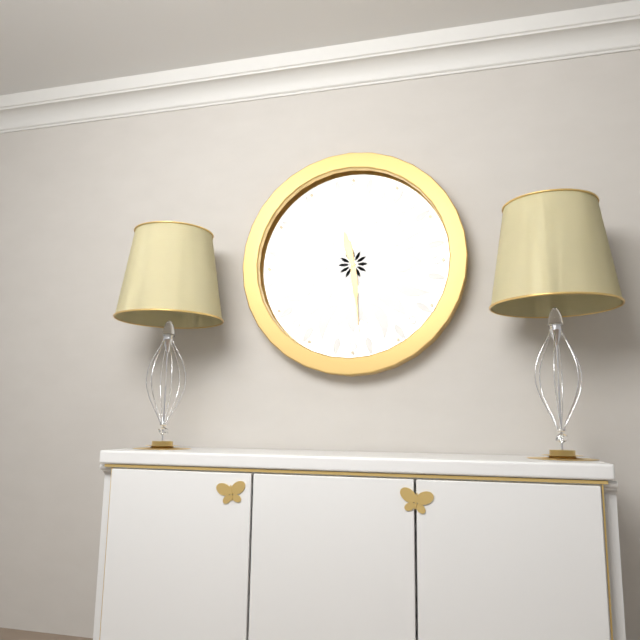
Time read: 11:29
